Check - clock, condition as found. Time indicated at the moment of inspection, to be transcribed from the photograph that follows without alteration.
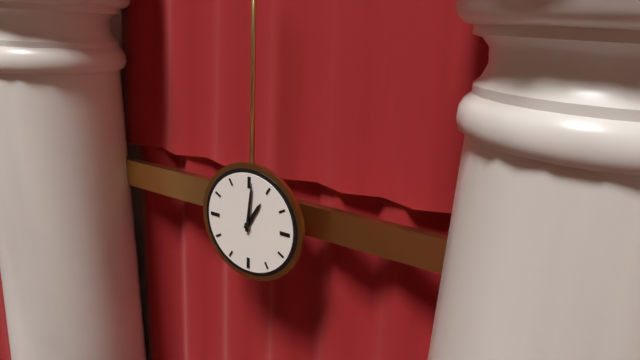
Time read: 1:01
